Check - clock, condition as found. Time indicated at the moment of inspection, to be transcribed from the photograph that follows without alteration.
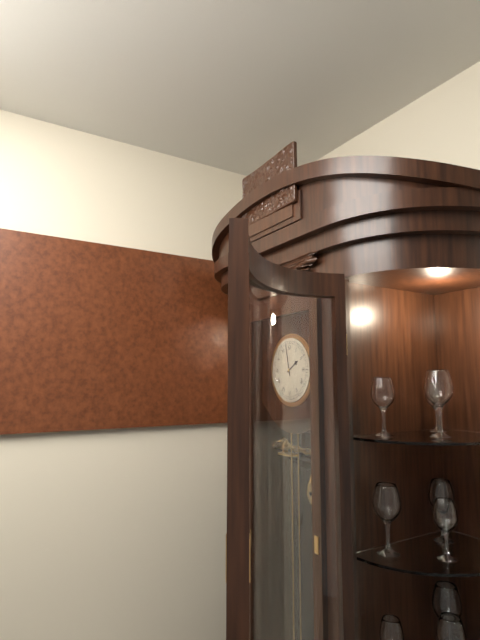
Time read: 1:58
